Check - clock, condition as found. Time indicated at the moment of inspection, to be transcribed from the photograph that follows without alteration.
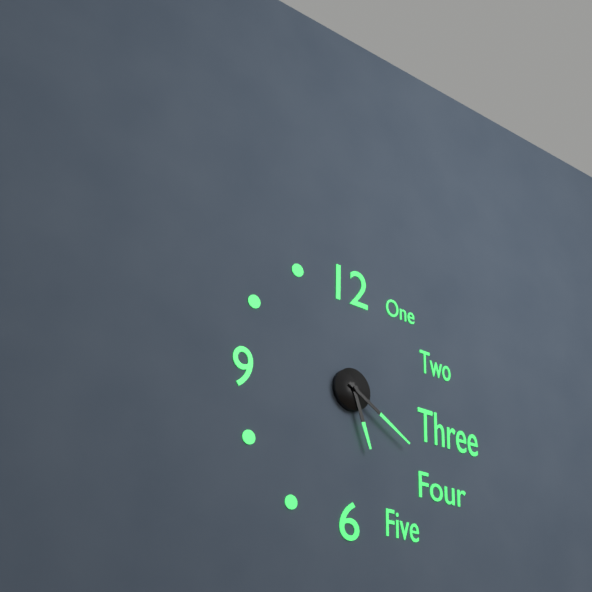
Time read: 5:20
